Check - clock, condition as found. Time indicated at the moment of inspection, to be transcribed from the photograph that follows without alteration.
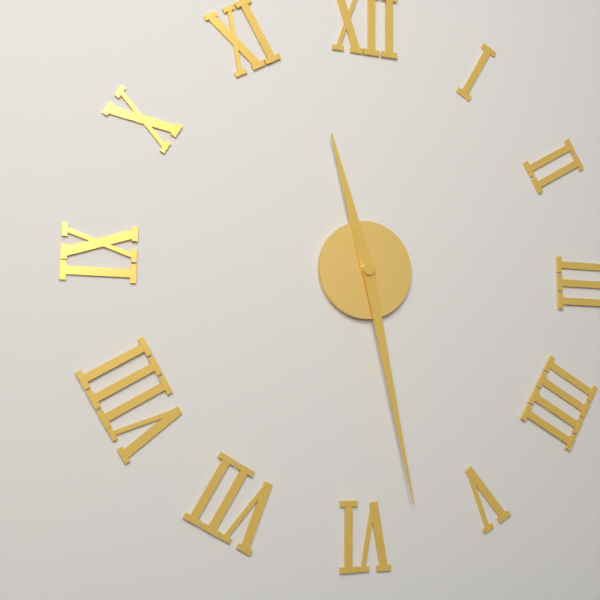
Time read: 11:28
